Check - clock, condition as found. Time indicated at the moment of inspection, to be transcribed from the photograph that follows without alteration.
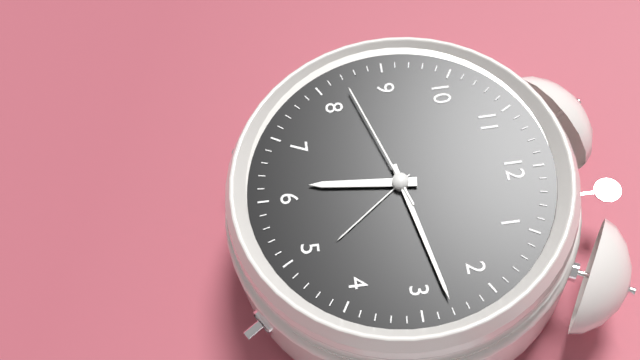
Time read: 6:13:42
